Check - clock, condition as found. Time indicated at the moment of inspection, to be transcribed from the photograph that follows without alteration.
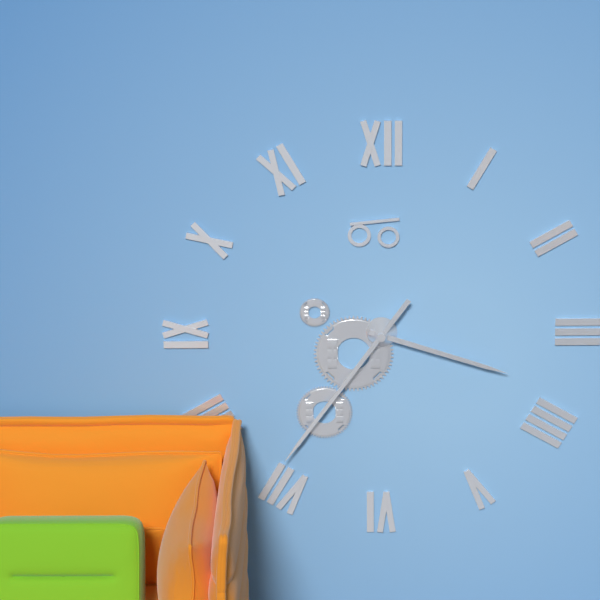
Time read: 3:36
